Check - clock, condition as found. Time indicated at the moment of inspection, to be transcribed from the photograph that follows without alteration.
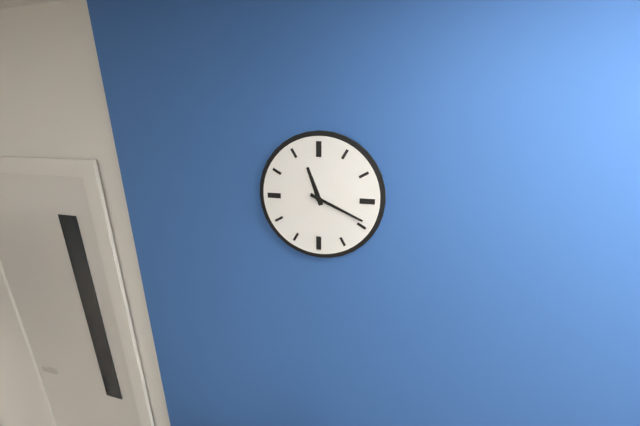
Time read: 11:19
